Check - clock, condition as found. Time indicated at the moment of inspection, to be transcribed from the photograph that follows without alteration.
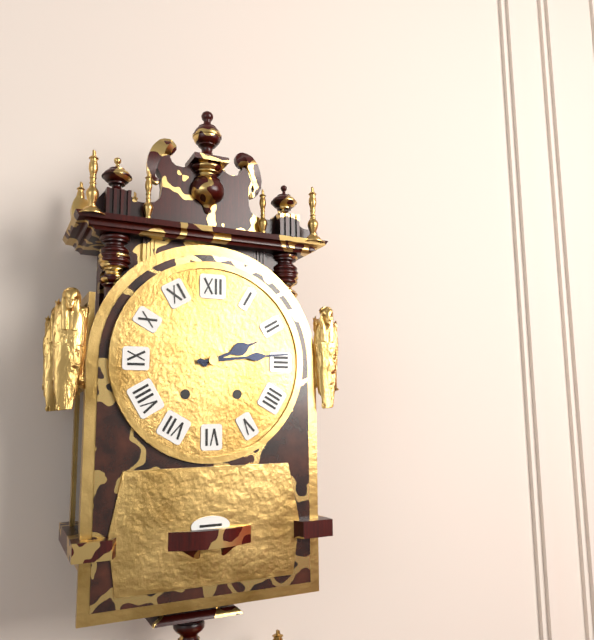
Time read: 2:14
